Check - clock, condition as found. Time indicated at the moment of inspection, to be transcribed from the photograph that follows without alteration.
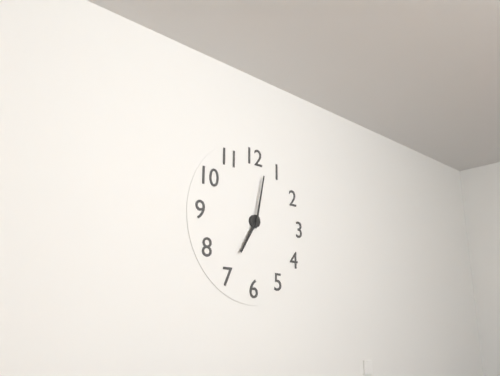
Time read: 7:02
